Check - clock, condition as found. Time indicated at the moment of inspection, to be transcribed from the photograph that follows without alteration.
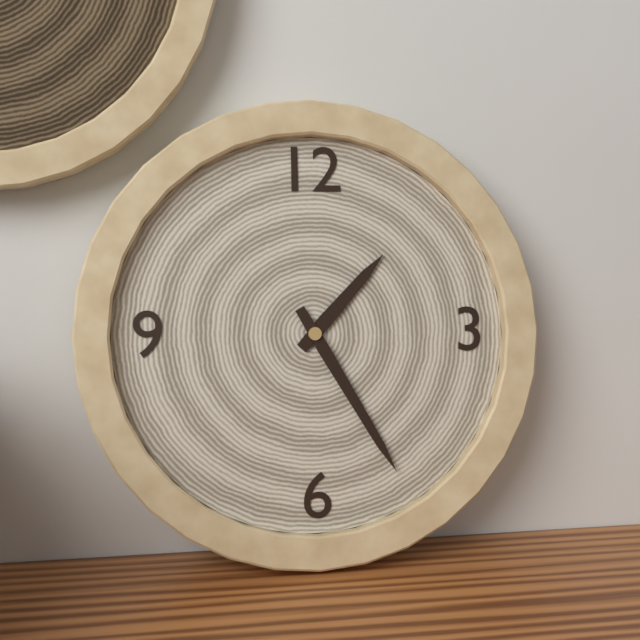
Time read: 1:25
